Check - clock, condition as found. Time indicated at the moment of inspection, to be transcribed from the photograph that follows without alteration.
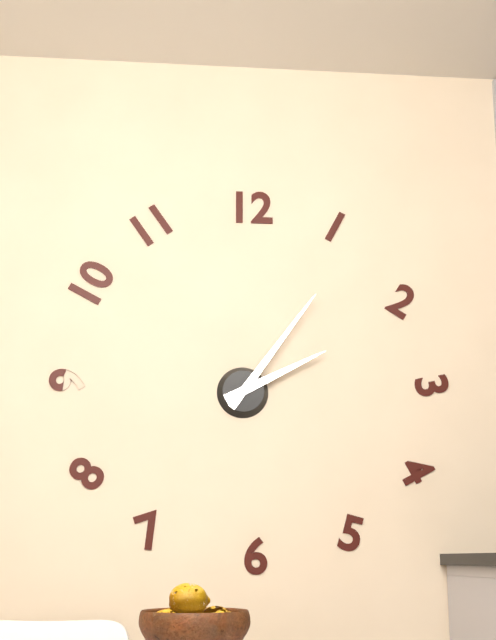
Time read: 2:06
